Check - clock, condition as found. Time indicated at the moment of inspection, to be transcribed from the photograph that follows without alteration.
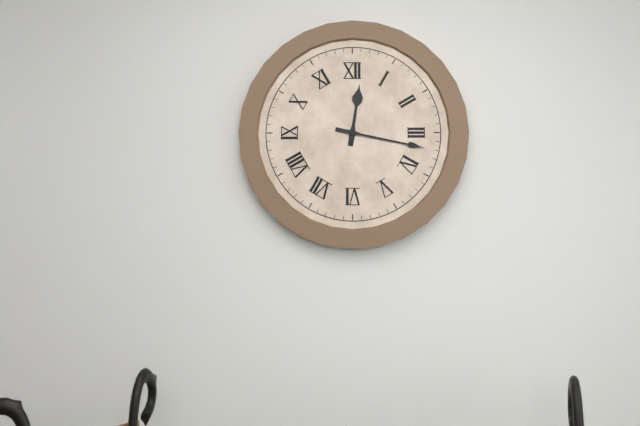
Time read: 12:17
